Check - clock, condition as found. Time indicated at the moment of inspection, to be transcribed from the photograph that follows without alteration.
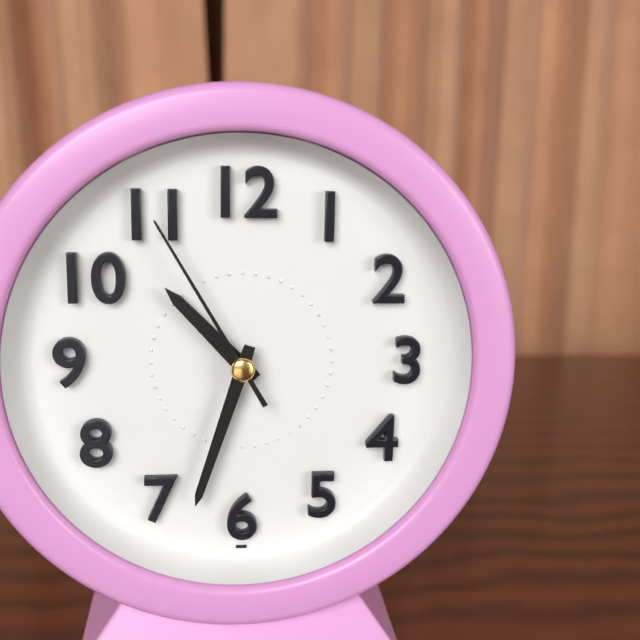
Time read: 10:33:55
